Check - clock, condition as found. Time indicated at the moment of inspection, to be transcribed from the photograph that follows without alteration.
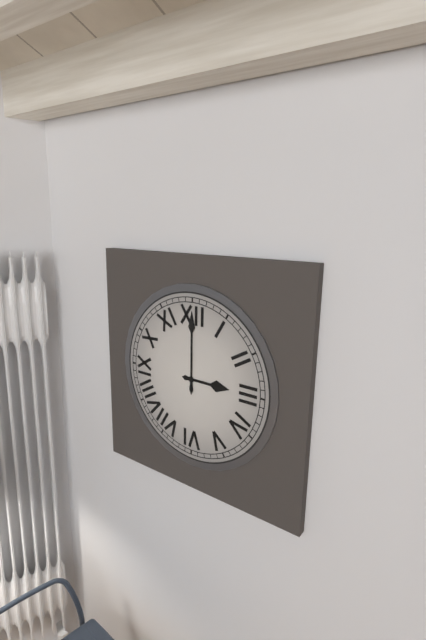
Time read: 3:00
